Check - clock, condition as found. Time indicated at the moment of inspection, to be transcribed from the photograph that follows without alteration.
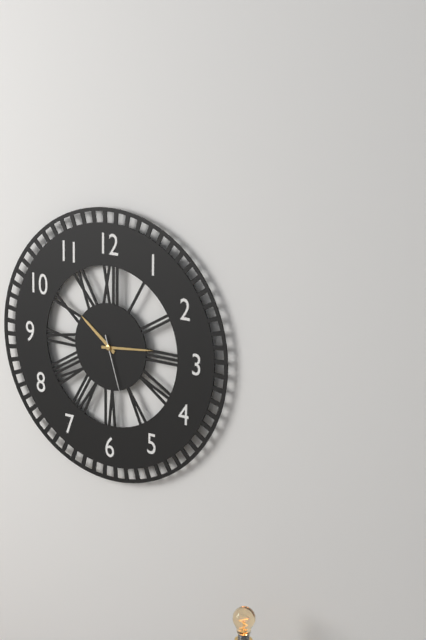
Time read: 10:14:27
